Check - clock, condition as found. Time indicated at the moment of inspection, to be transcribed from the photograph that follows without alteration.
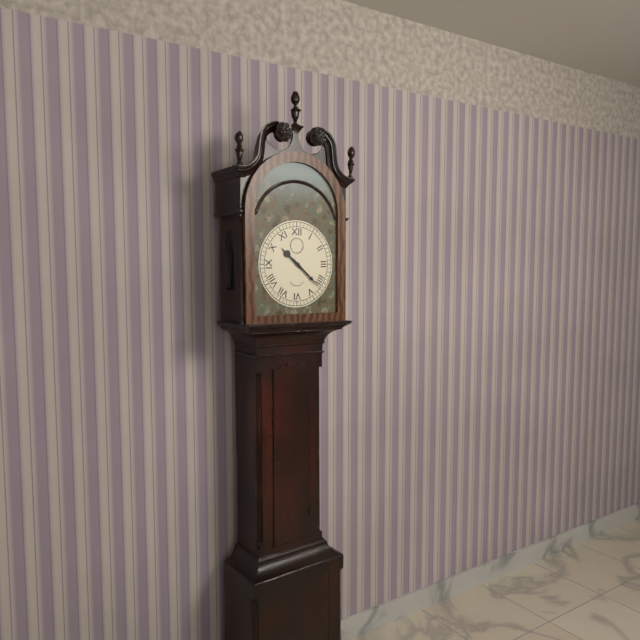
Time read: 10:22
